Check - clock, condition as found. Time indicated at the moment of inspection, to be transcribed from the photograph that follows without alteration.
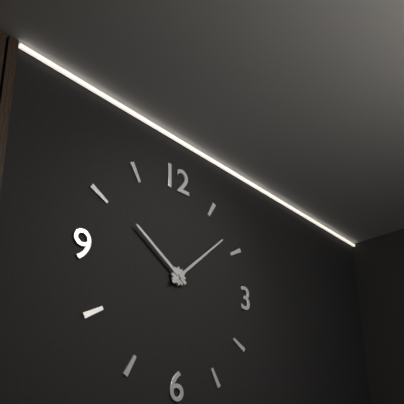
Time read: 10:08
